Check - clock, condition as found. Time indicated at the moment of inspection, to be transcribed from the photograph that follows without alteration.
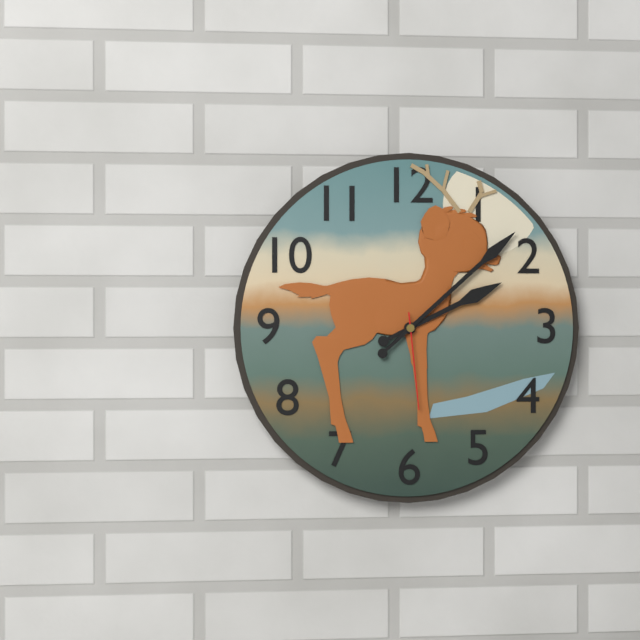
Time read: 2:08:29
